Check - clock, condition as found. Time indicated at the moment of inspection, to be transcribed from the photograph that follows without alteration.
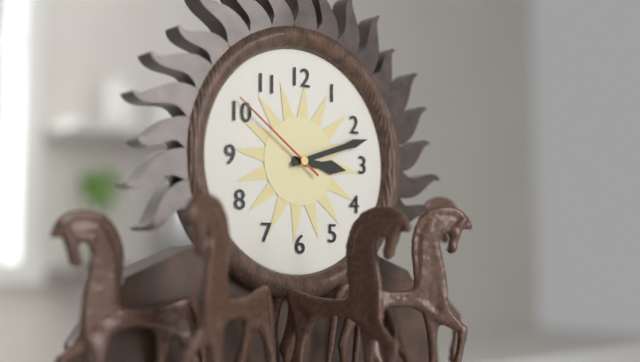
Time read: 3:12:51
